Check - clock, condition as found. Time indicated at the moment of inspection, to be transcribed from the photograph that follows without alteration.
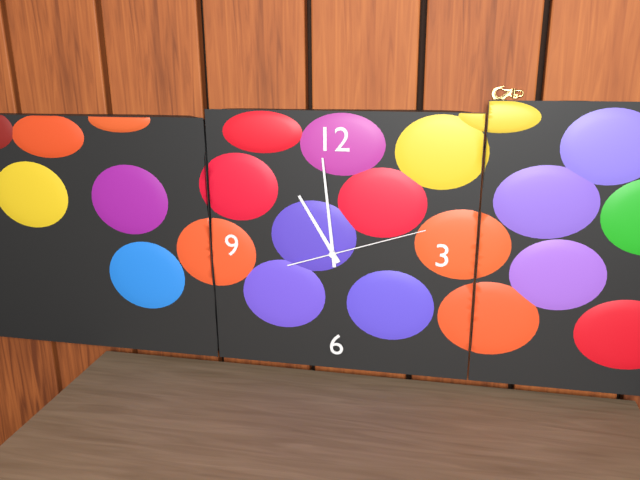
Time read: 10:59:12
